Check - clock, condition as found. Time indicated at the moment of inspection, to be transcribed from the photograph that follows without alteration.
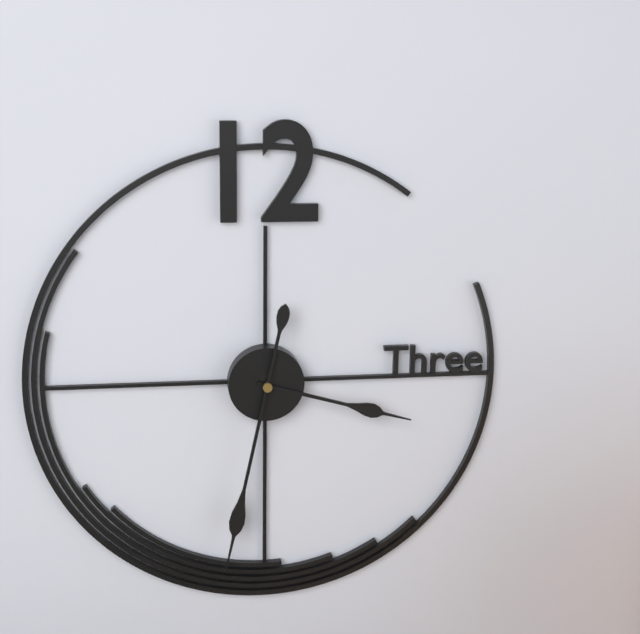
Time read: 3:32
